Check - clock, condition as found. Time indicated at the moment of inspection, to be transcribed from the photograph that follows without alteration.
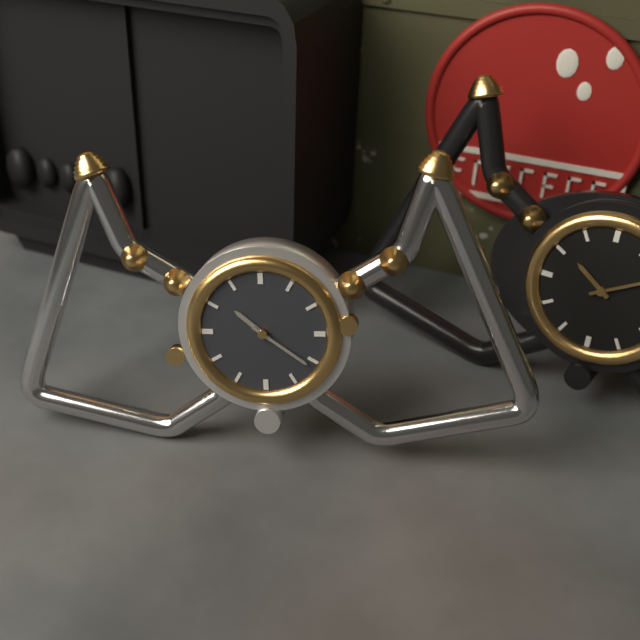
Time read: 10:21
